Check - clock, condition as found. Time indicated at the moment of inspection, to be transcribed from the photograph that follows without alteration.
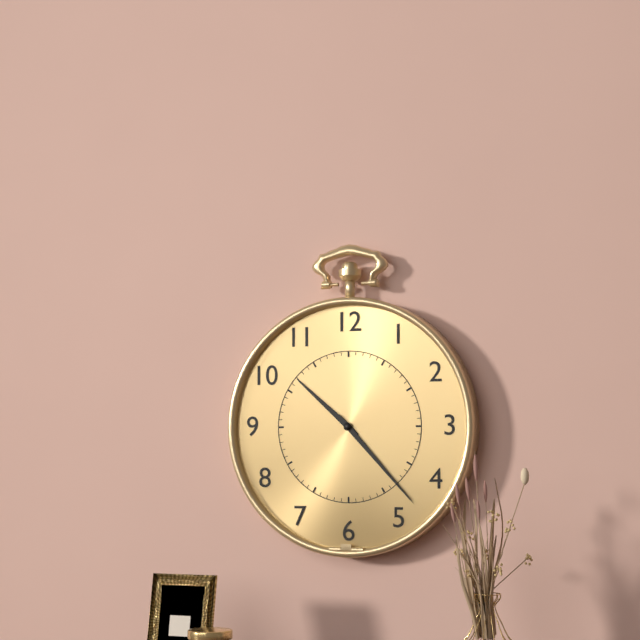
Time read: 10:23
